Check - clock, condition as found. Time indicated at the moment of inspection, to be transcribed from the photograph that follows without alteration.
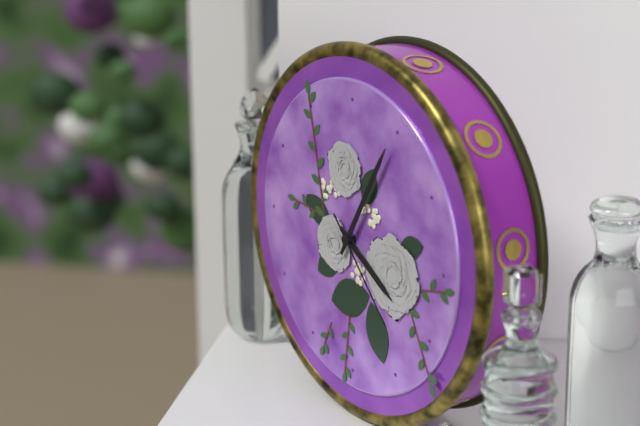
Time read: 4:05:23
